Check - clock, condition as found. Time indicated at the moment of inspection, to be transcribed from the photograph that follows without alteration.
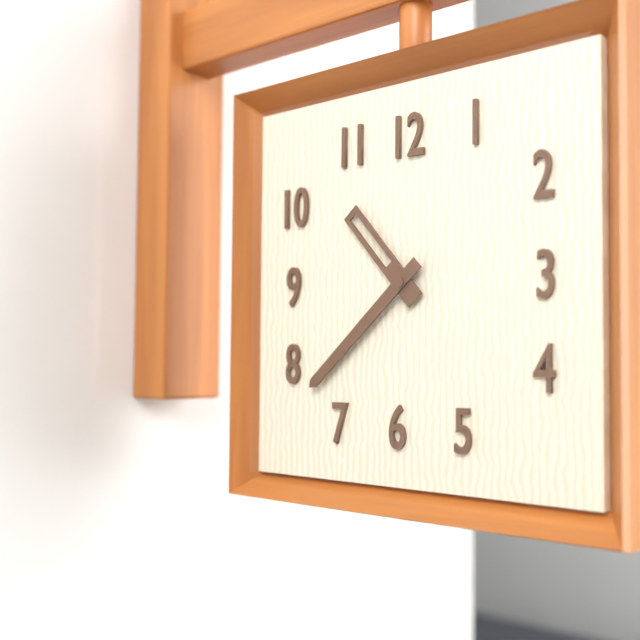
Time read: 10:38
